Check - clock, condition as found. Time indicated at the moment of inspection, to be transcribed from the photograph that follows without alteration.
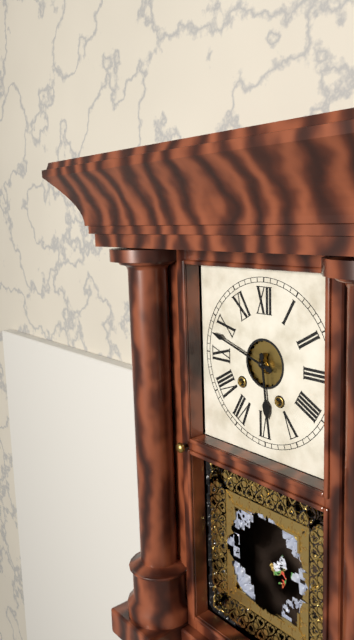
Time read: 5:48
